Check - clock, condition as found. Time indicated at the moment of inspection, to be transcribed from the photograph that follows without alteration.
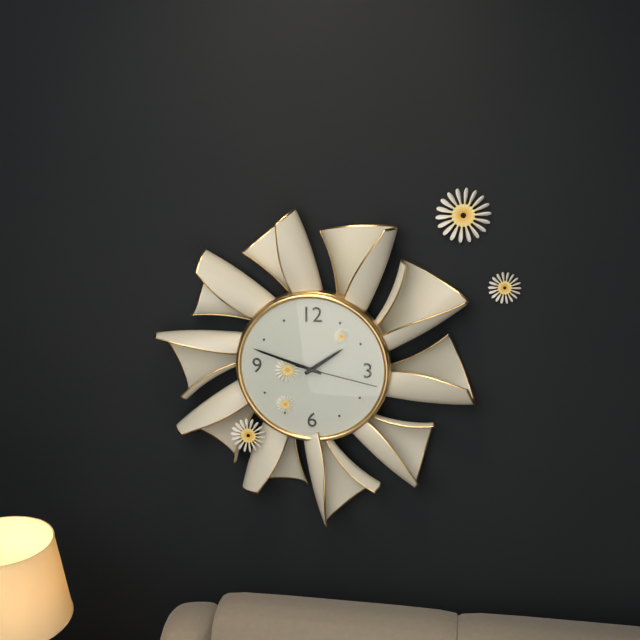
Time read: 1:48:17
